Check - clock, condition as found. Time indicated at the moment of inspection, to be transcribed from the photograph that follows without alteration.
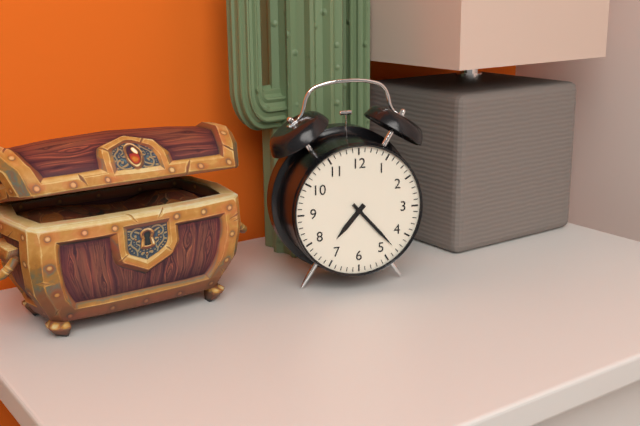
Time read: 7:23
